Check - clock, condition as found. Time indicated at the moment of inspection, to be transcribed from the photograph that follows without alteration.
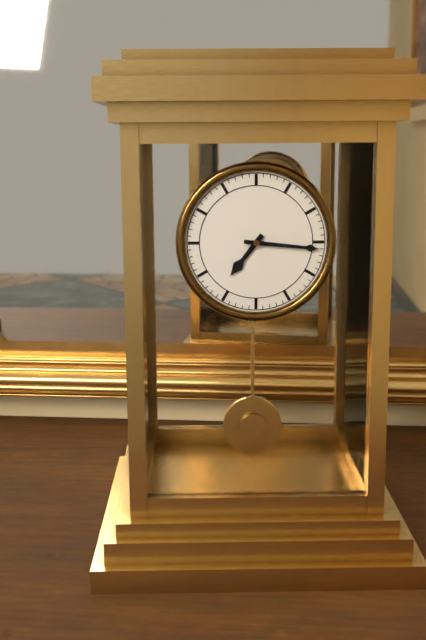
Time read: 7:16
